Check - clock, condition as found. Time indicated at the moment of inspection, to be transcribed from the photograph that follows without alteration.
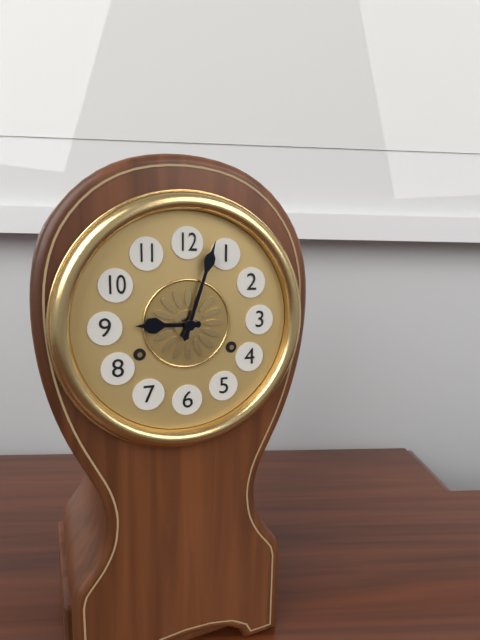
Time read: 9:03
